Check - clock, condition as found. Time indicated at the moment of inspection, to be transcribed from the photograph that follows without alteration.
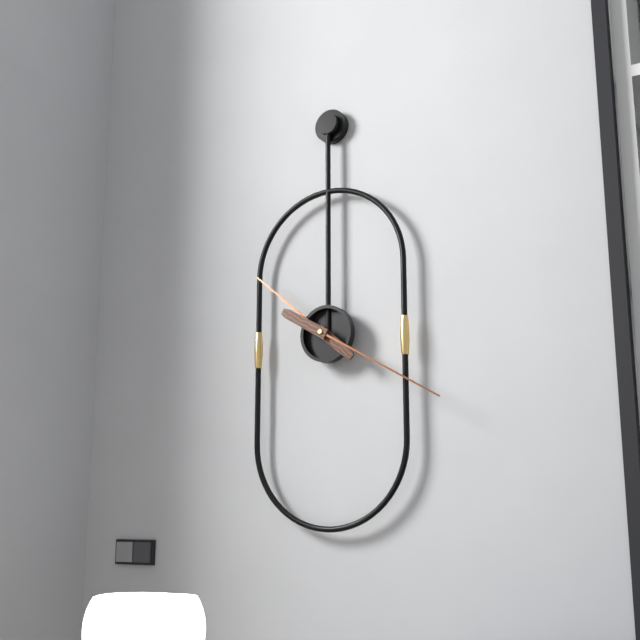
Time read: 10:20
